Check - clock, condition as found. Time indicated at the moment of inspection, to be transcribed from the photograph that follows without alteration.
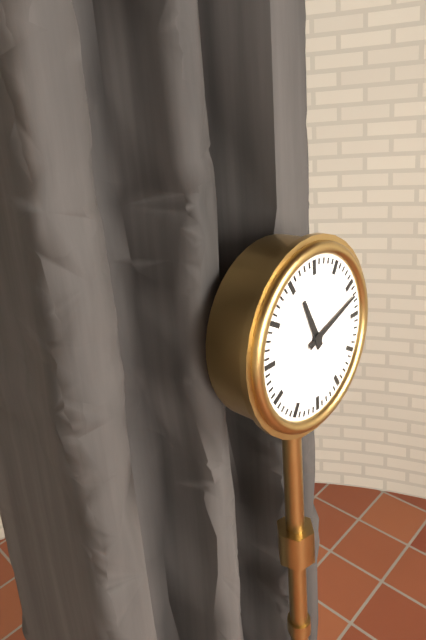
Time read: 11:12
